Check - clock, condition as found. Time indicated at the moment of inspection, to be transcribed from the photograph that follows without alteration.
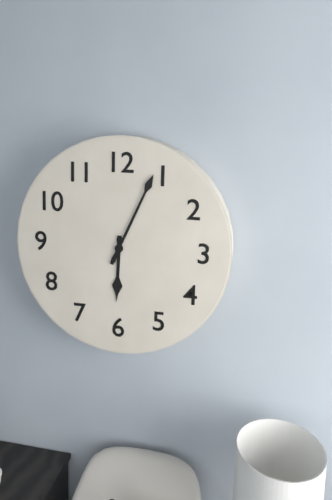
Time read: 6:04
